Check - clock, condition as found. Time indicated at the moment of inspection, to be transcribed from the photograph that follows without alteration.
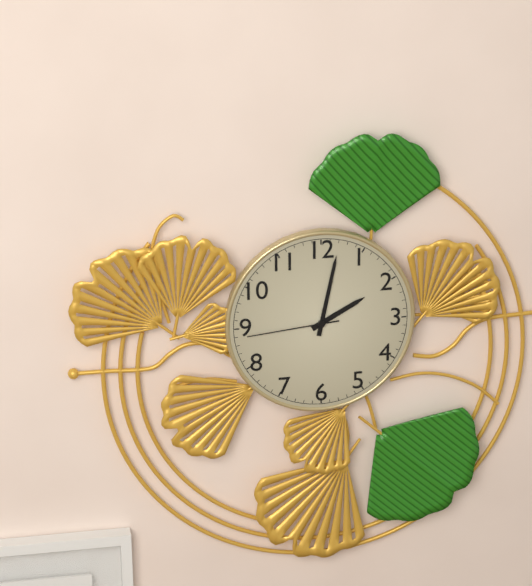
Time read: 2:02:44
